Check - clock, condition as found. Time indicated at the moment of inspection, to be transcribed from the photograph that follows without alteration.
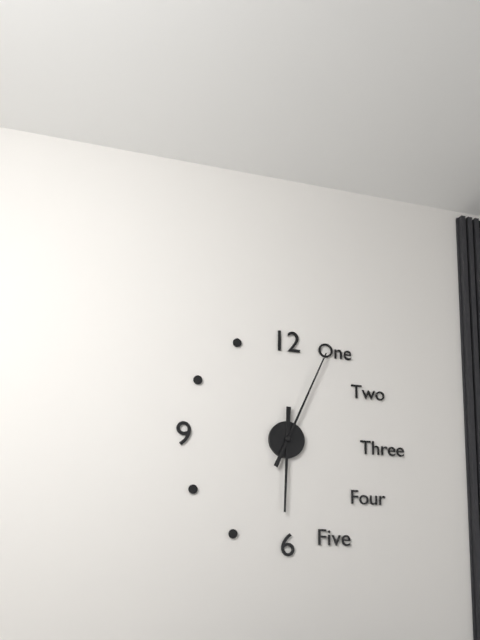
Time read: 6:04
